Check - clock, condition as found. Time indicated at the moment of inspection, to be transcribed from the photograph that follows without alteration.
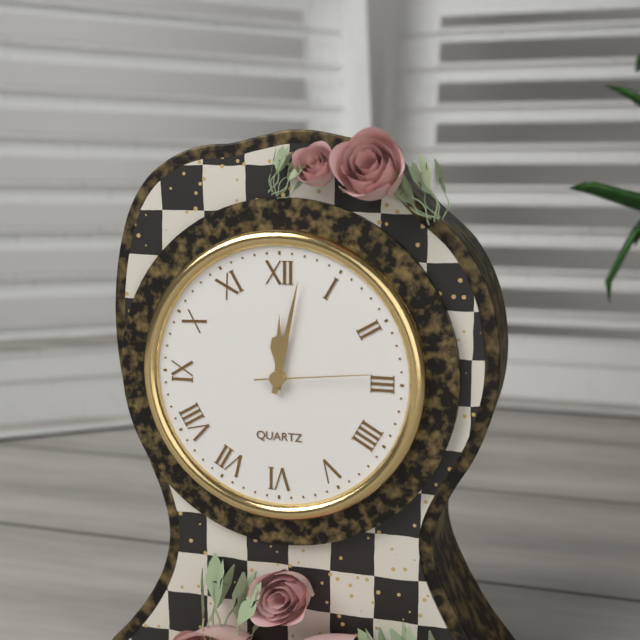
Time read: 12:02:14
